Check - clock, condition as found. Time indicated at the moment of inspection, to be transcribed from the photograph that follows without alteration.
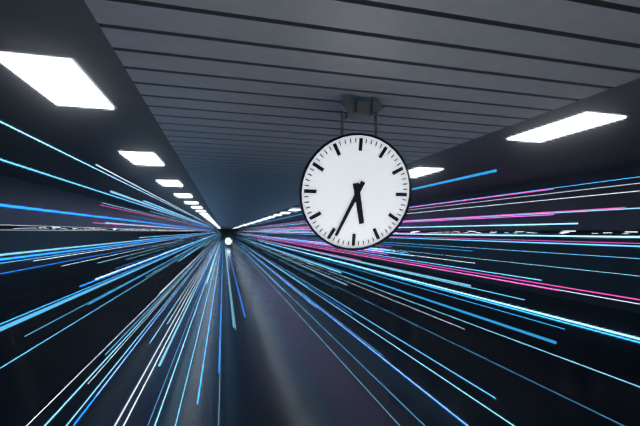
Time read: 5:34
